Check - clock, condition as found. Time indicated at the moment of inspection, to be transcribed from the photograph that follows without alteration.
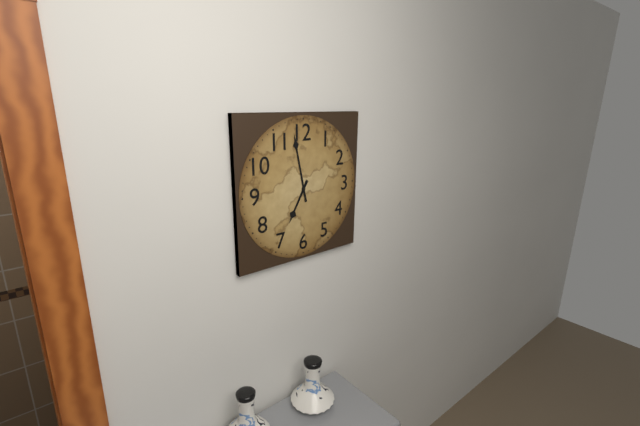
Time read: 6:58
